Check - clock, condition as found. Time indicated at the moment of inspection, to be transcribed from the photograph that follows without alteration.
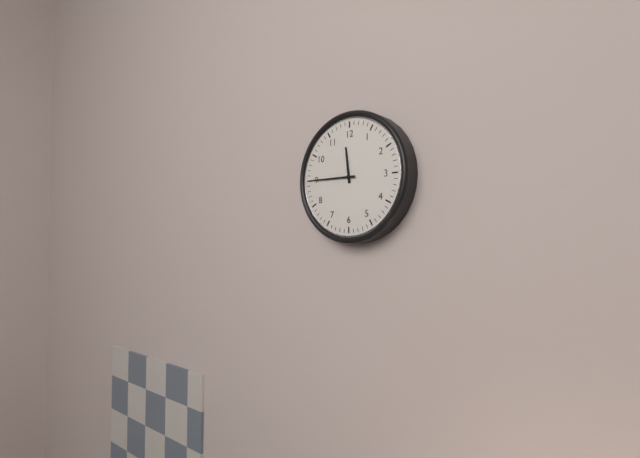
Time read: 11:45
